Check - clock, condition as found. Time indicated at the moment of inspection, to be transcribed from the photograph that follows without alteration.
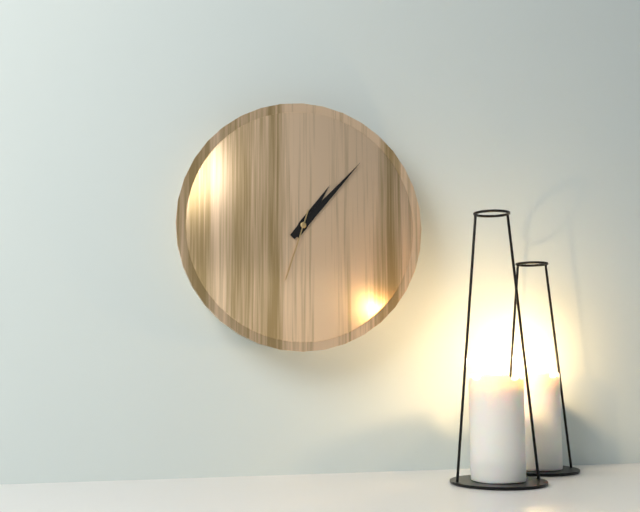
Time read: 1:07:33
